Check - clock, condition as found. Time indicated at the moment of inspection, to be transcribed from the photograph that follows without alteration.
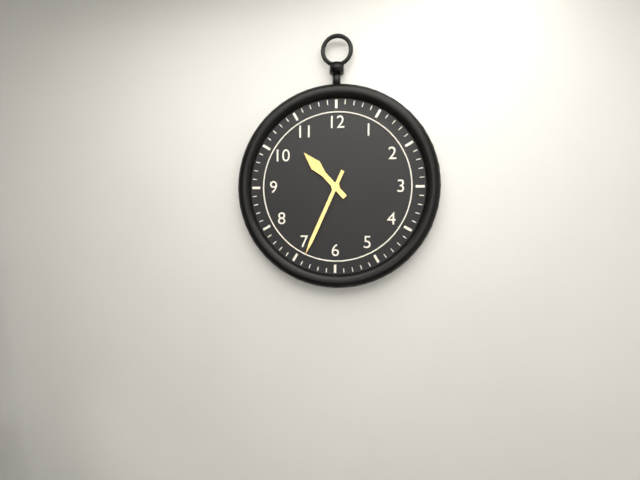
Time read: 10:34
